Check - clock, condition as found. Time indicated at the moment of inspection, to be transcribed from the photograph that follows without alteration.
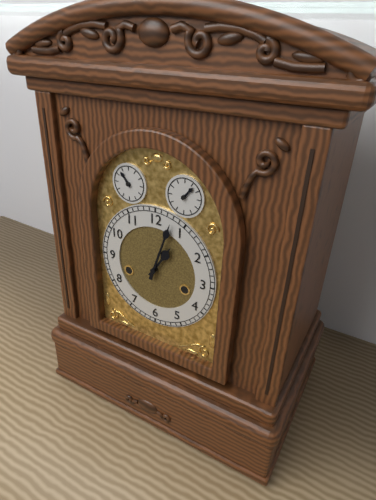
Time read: 1:03
